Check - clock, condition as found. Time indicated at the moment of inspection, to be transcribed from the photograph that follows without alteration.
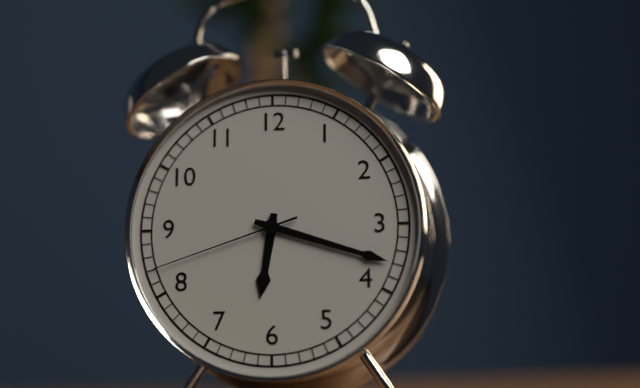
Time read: 6:18:42
